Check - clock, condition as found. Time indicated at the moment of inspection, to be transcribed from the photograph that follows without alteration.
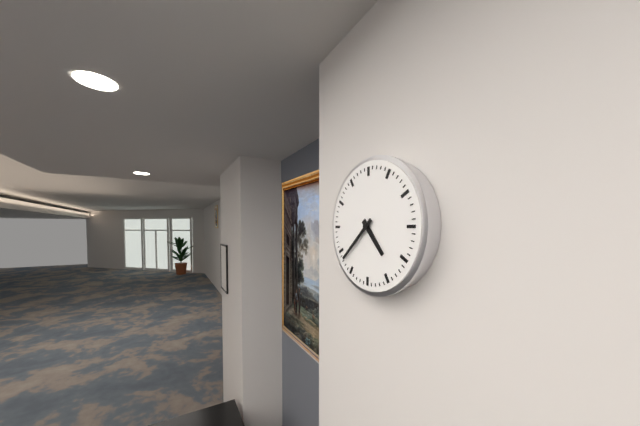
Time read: 4:38
